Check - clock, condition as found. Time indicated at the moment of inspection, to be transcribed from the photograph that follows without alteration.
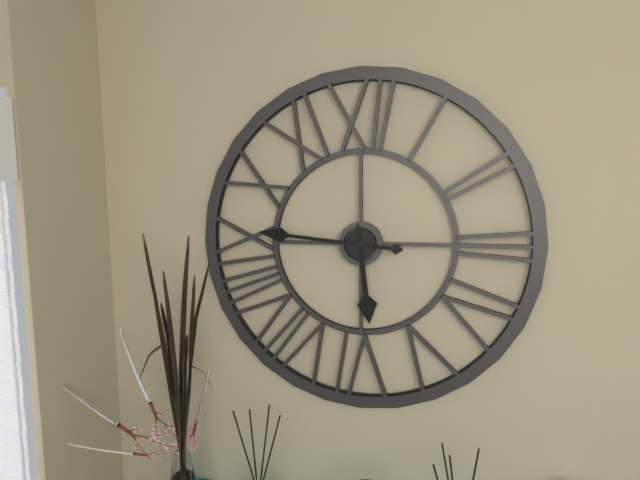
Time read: 5:46
